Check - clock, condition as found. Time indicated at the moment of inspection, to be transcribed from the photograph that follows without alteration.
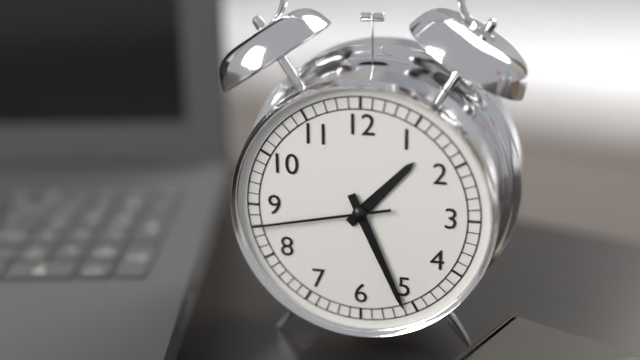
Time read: 1:26:43
